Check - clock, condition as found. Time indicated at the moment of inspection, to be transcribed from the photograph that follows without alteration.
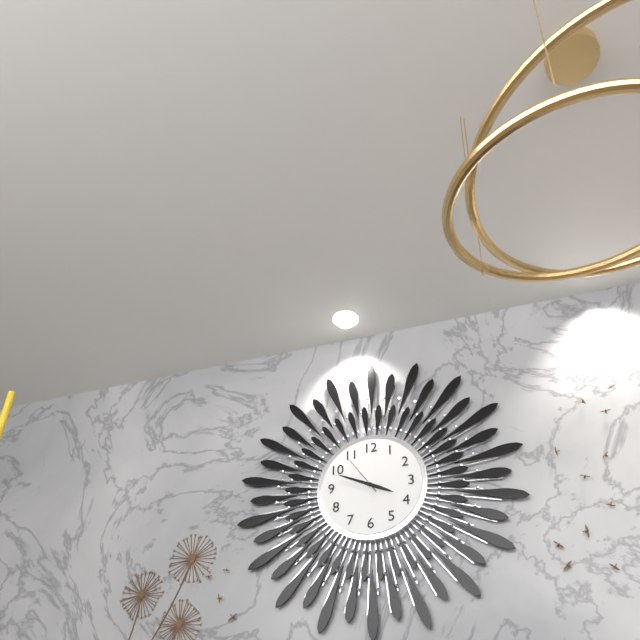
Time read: 3:49:54
